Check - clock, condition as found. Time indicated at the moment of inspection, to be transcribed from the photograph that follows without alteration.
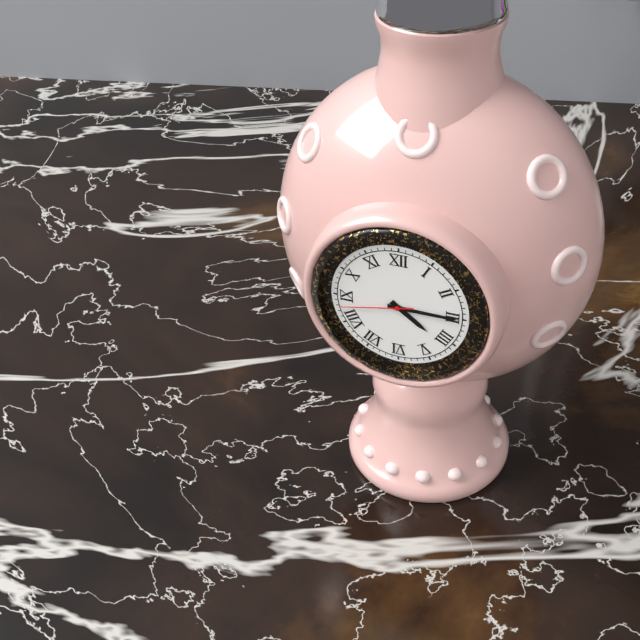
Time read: 4:15:43
